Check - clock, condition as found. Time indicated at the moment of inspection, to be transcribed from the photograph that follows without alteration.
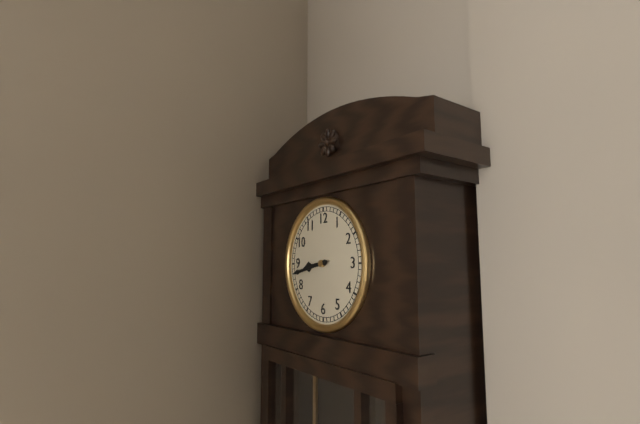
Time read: 8:43
